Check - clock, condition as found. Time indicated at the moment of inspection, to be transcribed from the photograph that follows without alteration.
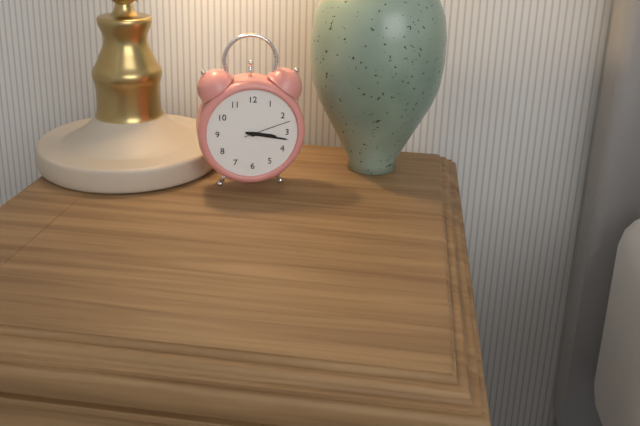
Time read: 3:17
